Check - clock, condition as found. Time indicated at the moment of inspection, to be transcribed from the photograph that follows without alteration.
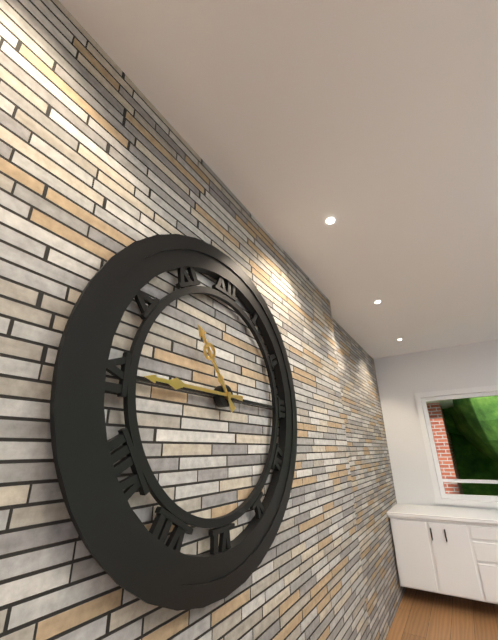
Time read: 10:45
